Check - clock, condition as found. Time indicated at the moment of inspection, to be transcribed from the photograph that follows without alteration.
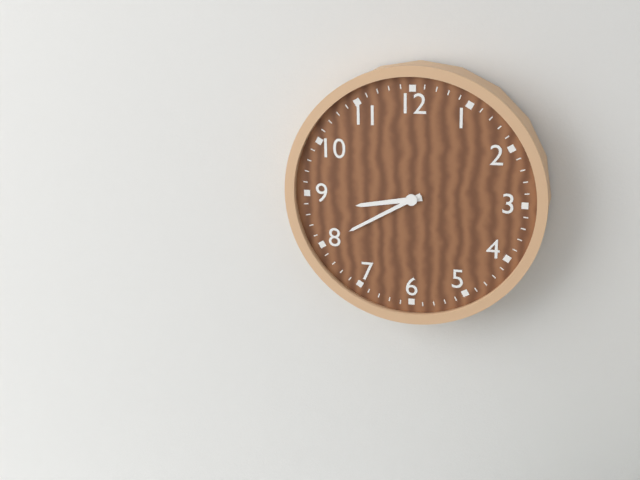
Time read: 8:40
